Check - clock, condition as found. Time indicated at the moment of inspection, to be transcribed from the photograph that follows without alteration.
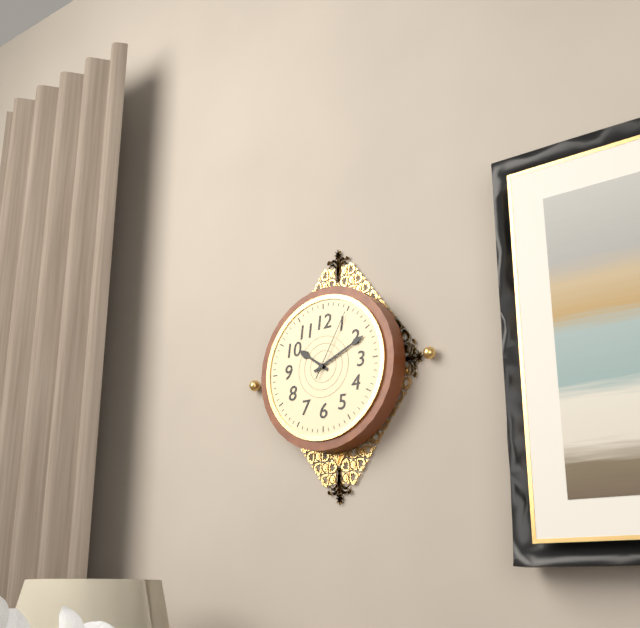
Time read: 10:11:05
